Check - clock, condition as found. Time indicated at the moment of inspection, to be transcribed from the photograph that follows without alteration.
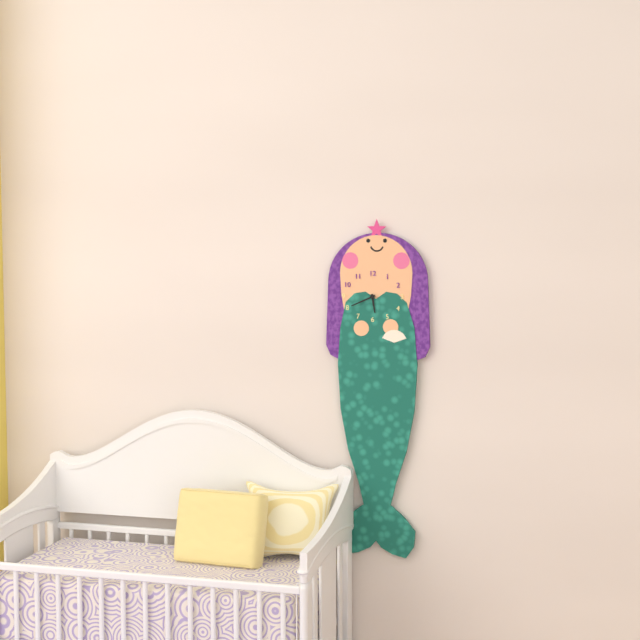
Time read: 5:41
